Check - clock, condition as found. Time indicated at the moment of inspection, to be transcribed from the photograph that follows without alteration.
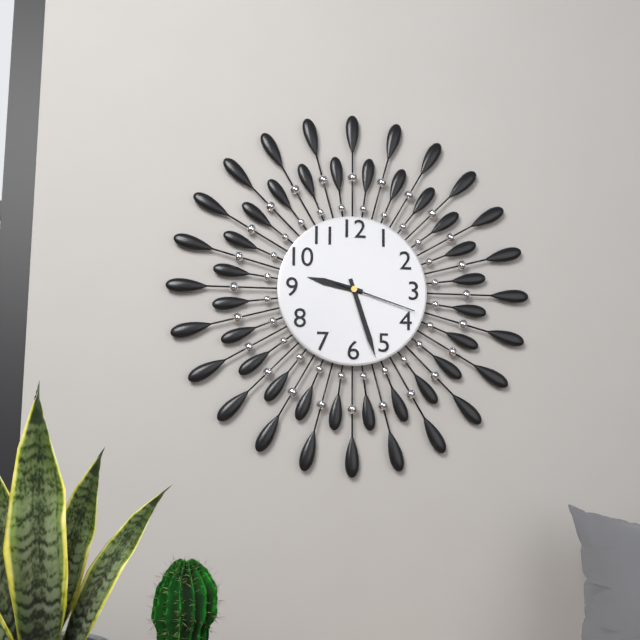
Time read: 9:27:18
